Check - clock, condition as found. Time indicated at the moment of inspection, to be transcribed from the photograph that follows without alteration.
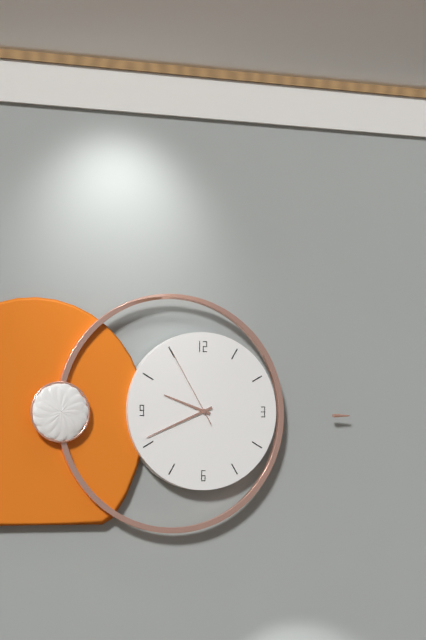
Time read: 9:41:55
